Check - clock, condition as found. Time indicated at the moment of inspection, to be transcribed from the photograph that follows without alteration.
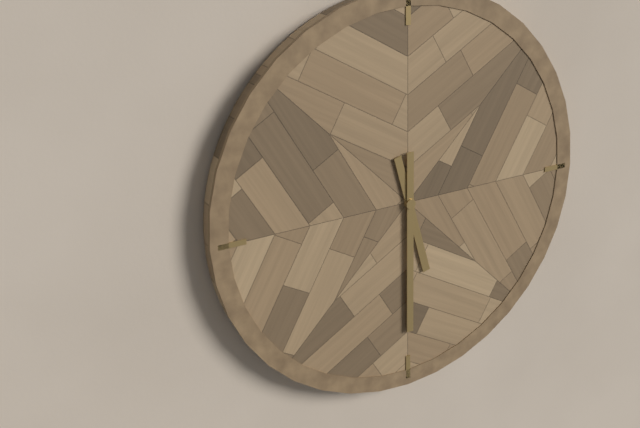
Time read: 5:30
